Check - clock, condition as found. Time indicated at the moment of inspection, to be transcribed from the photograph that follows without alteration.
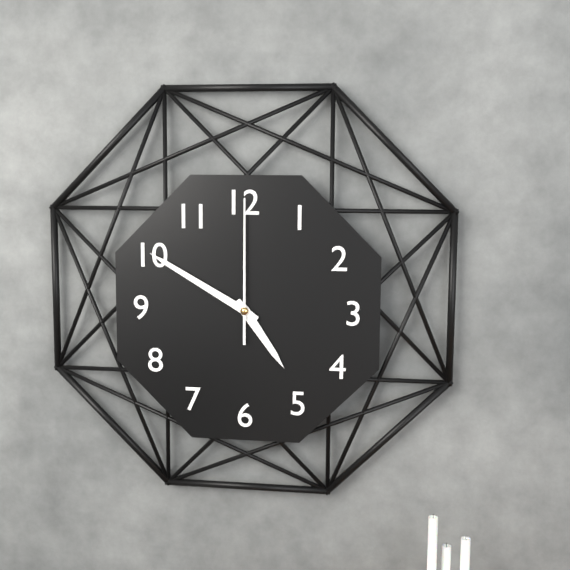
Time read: 4:50:00
